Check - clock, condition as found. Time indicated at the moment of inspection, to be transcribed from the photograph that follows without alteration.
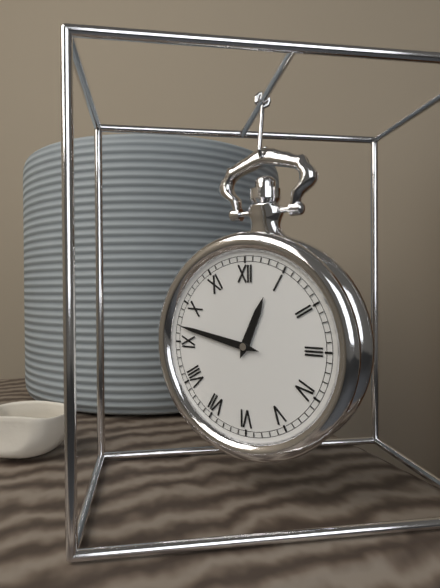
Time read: 12:47
